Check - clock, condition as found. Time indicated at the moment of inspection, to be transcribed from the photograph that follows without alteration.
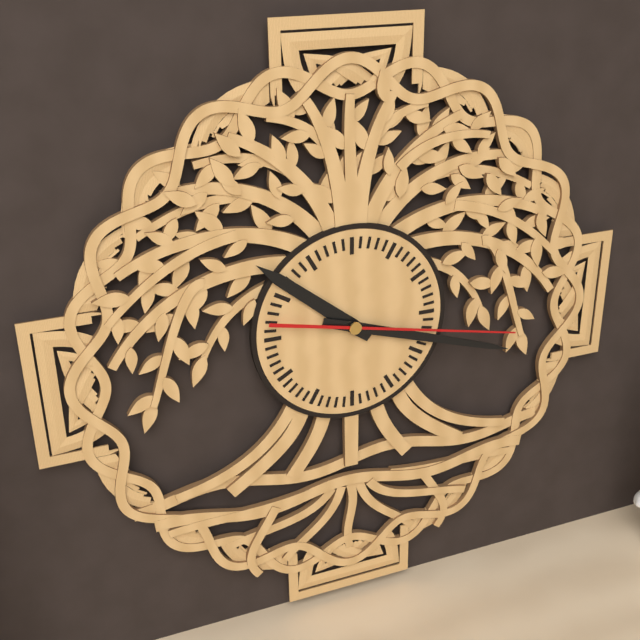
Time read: 10:18:17
